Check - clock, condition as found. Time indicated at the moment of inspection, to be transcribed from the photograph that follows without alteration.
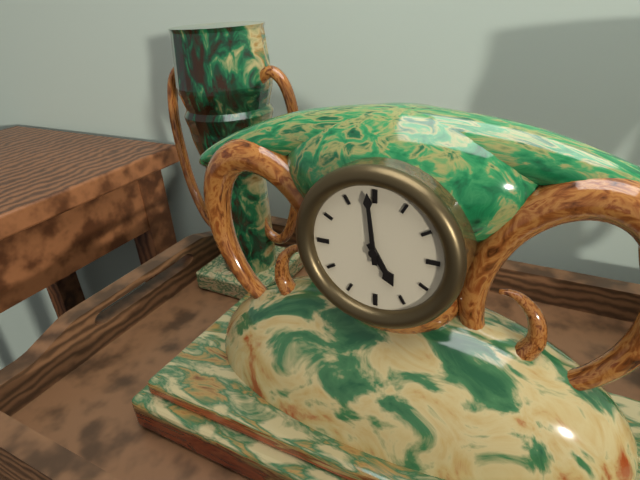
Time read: 4:59
